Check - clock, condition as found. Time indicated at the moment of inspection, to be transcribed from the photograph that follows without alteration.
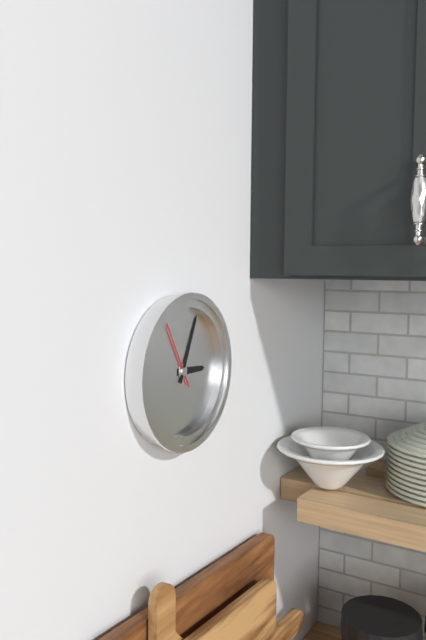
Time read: 3:04:55
